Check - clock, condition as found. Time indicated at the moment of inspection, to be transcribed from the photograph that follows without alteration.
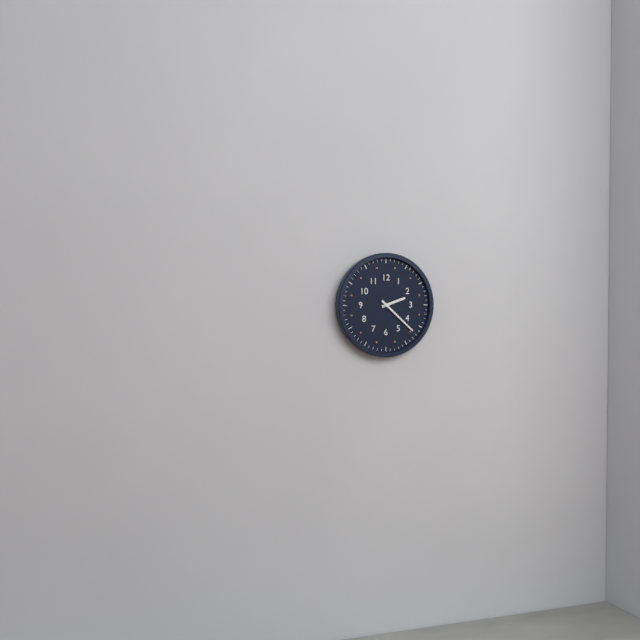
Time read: 2:22
